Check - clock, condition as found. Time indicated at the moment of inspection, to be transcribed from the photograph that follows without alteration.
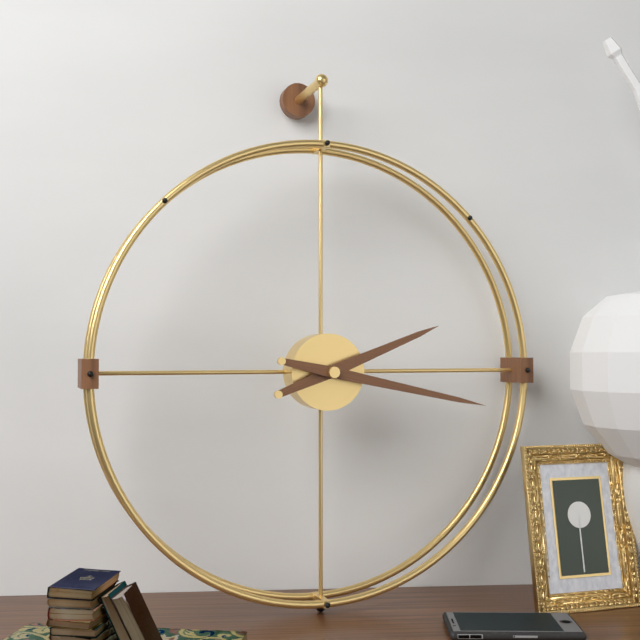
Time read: 2:17
